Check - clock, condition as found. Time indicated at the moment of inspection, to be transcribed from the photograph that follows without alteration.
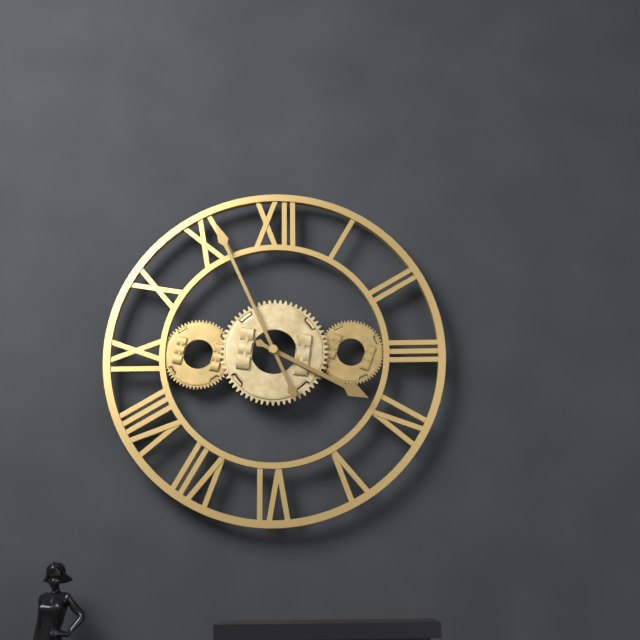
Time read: 3:56
